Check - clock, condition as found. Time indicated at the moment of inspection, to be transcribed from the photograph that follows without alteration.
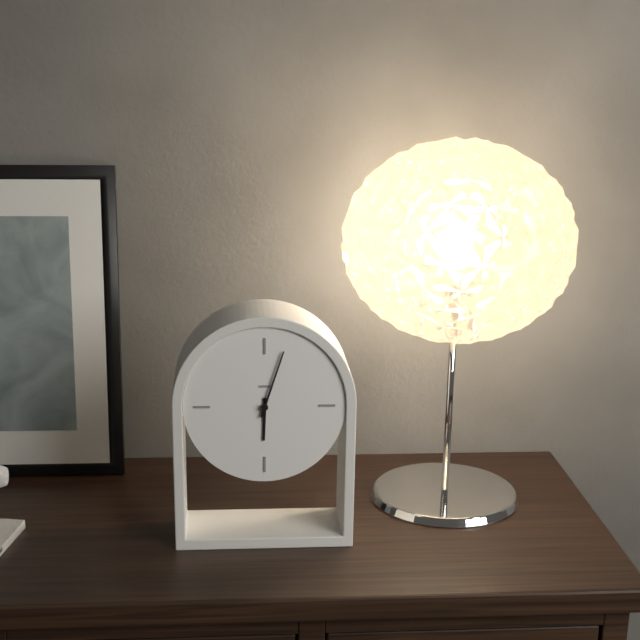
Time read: 6:03
